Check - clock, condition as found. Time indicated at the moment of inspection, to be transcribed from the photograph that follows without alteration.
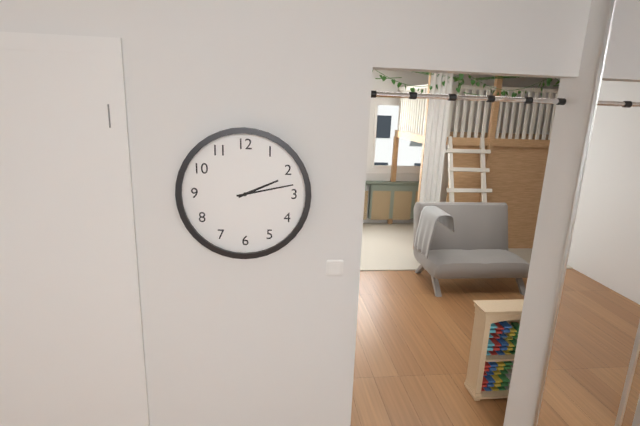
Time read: 2:13
